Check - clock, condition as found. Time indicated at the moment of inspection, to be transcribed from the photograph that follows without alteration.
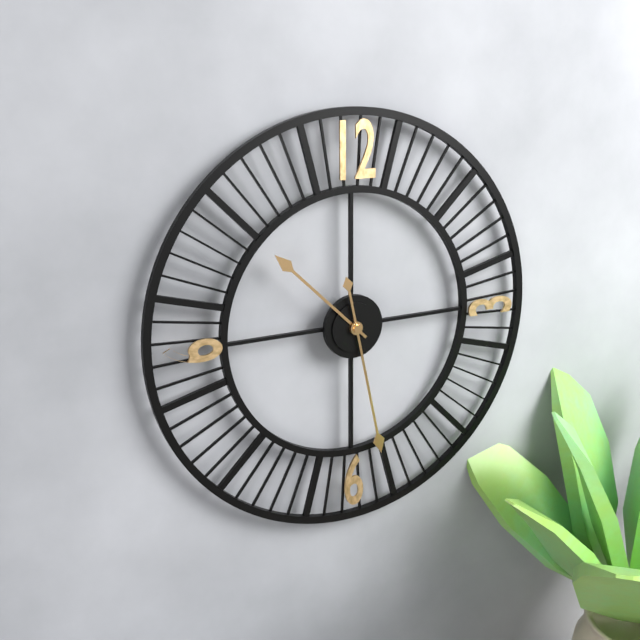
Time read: 10:28
